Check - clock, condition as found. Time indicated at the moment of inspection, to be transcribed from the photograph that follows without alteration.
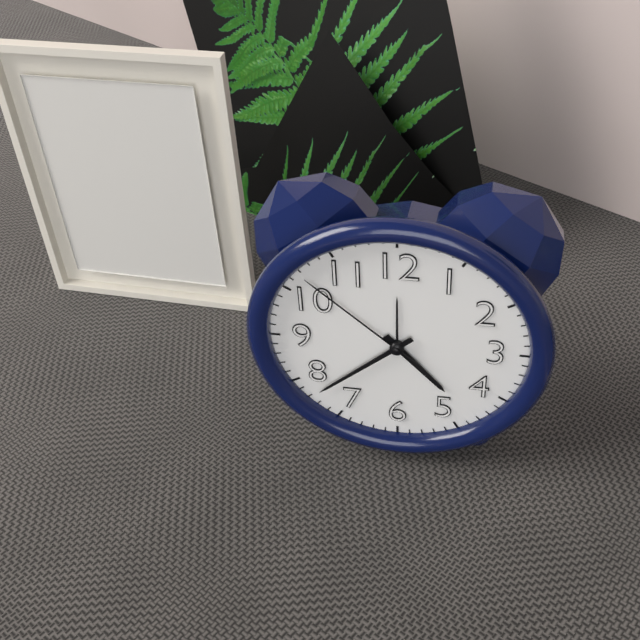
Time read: 4:38:52
